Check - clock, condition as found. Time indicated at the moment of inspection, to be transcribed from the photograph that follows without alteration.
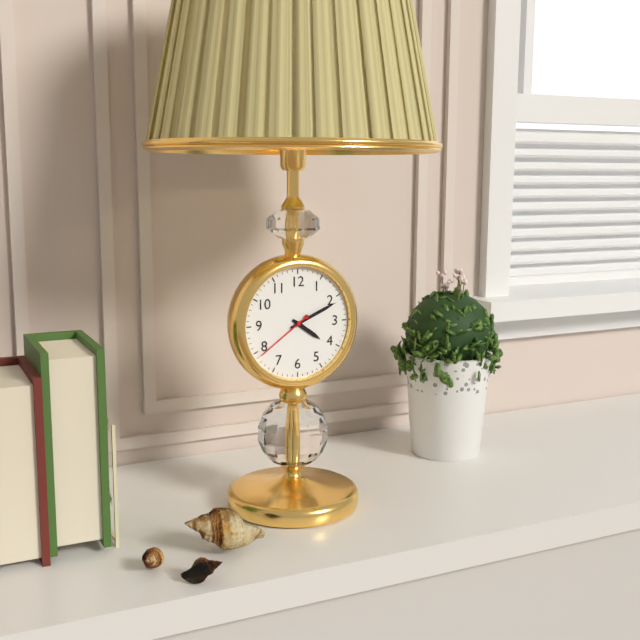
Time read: 4:11:39
